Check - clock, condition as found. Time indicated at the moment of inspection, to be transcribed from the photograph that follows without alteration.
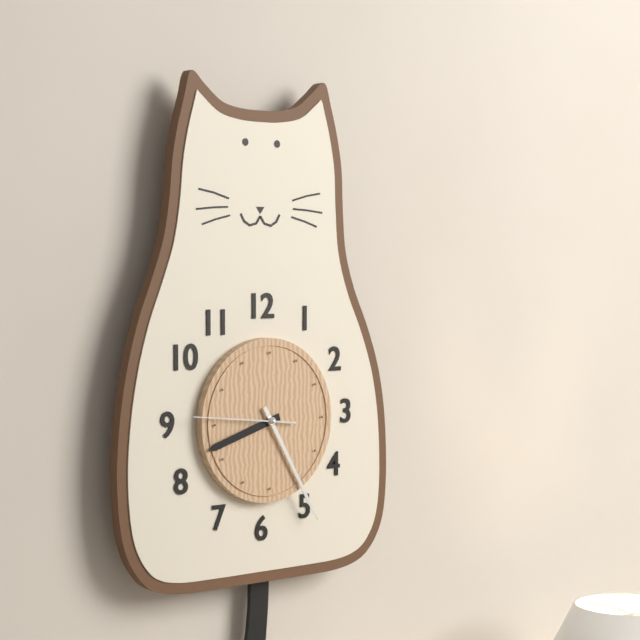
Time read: 8:25:46
